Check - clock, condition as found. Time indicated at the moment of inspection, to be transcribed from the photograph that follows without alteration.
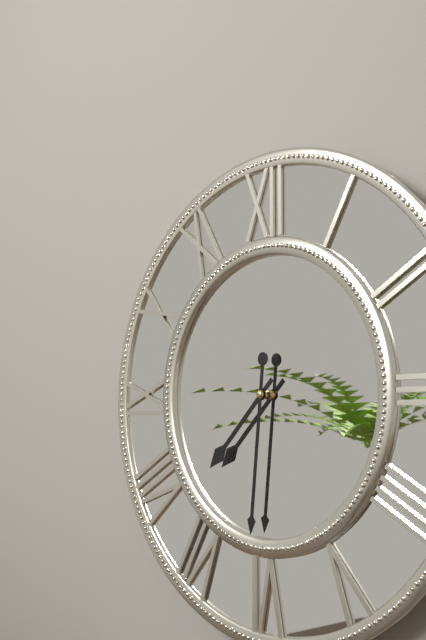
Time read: 7:31
